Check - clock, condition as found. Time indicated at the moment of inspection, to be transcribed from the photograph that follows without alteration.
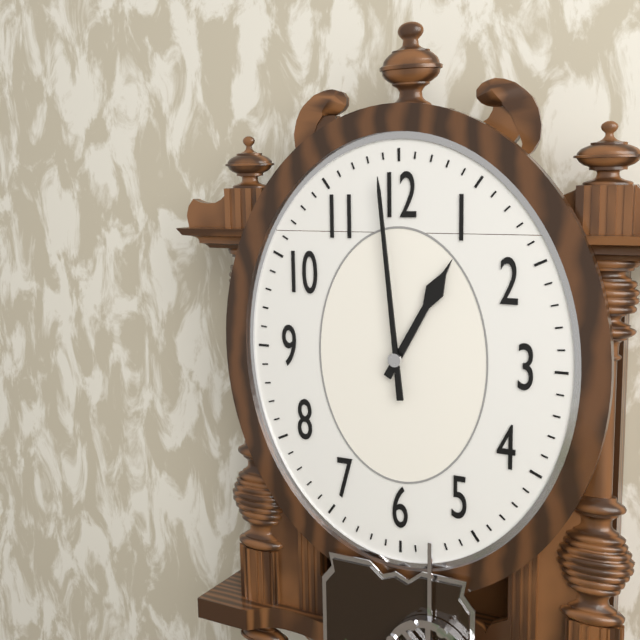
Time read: 12:59
